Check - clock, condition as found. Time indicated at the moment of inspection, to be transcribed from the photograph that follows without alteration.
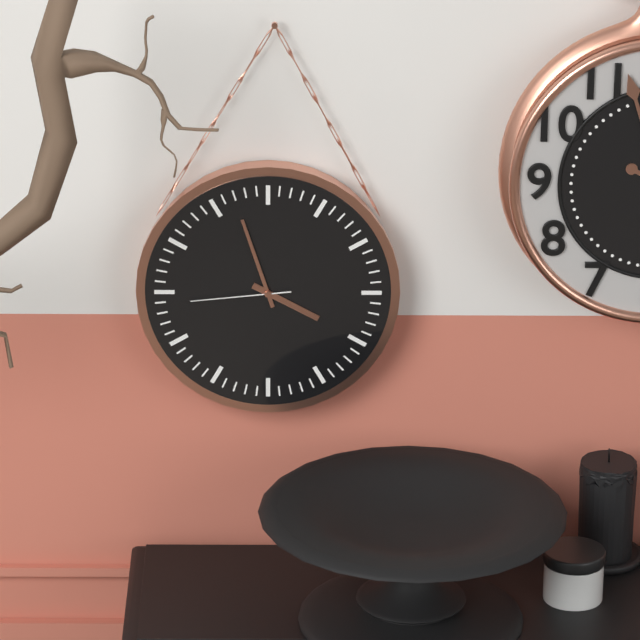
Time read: 3:57:44
